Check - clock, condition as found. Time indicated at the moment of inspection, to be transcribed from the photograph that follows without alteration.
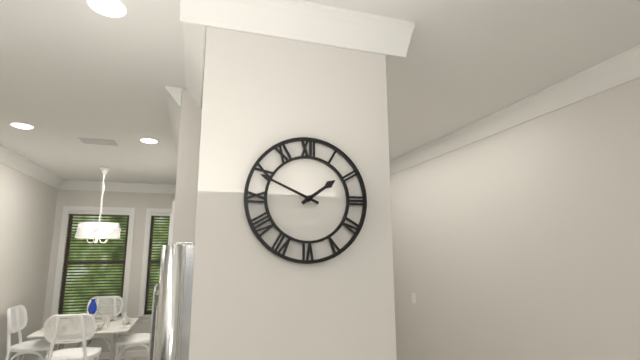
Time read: 1:49
